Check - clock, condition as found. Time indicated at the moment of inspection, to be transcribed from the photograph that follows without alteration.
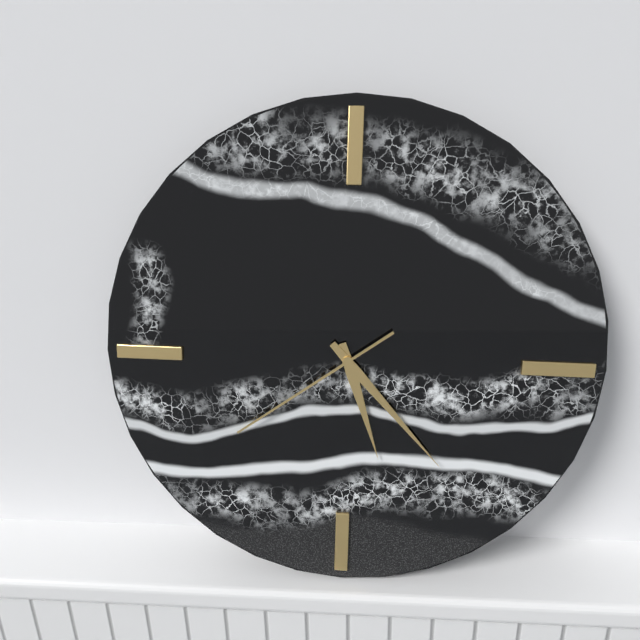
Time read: 5:23:39
